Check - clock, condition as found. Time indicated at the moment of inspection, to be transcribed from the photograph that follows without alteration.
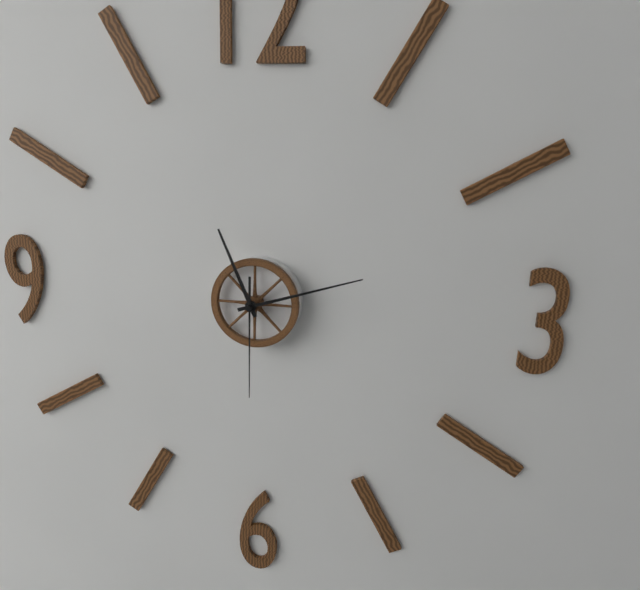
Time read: 11:12:30
